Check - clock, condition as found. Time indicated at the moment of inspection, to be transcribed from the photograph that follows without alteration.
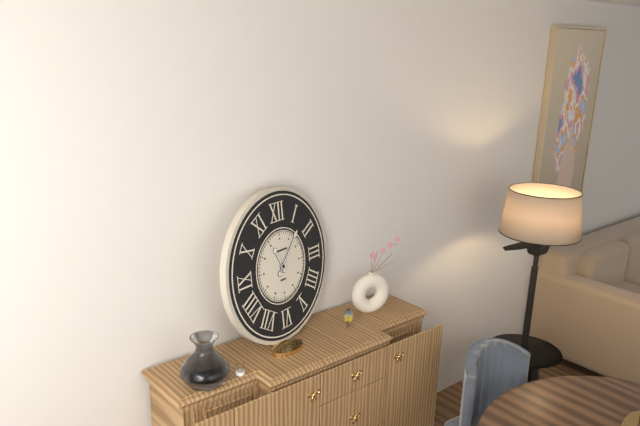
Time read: 11:07
